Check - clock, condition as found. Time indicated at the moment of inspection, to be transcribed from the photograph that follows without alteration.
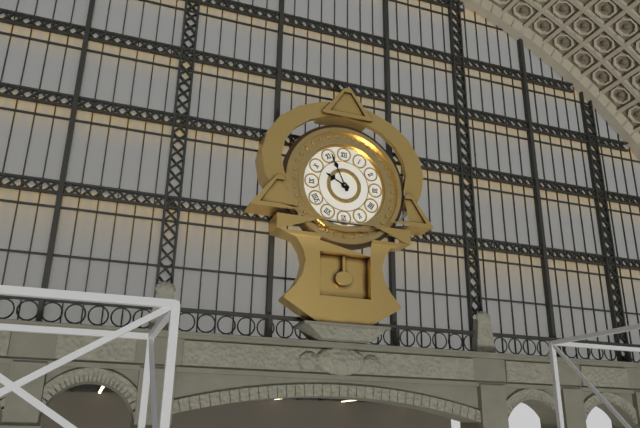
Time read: 9:56
